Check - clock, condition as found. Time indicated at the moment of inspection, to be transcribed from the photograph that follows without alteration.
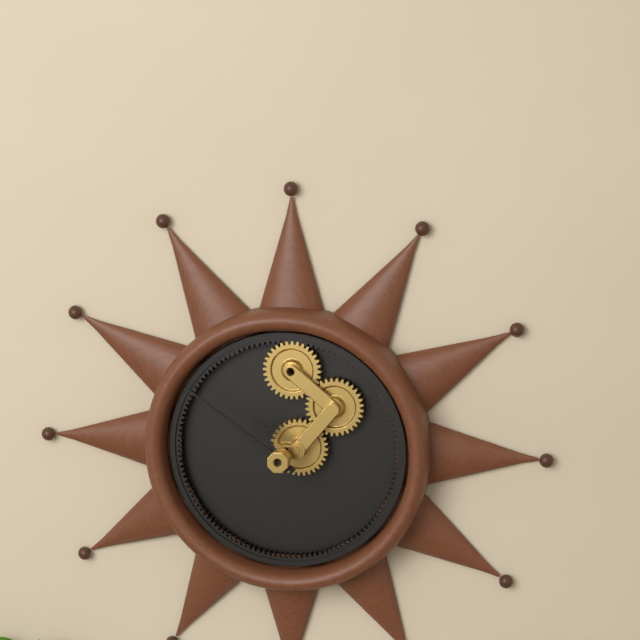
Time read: 10:51
